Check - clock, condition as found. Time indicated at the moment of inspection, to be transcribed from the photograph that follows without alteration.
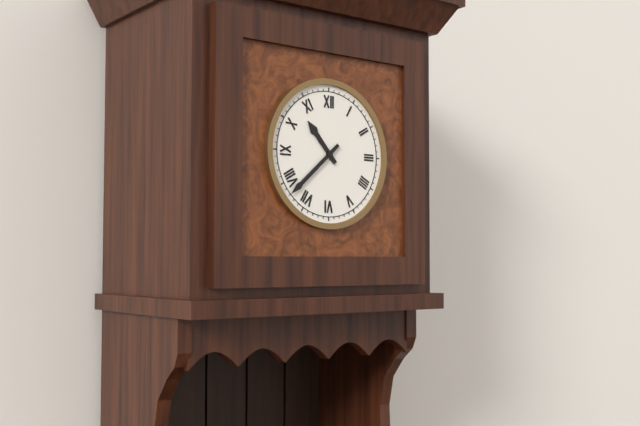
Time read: 10:38
